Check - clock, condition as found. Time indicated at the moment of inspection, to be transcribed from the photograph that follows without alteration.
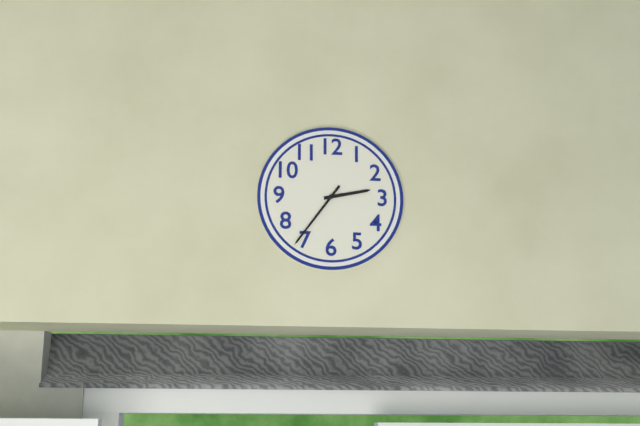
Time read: 2:36
